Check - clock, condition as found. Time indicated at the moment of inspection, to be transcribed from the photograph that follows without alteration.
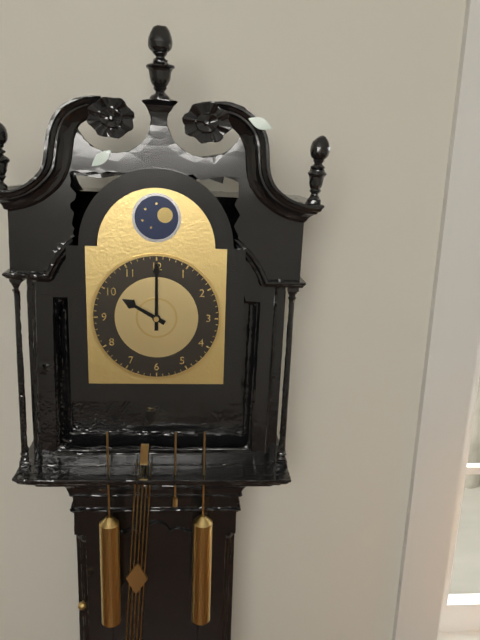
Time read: 10:00
